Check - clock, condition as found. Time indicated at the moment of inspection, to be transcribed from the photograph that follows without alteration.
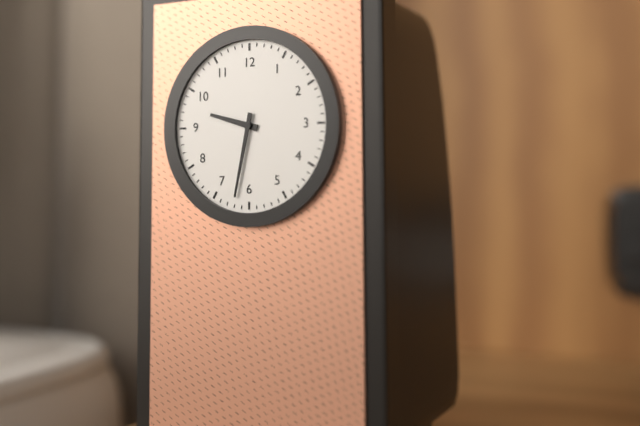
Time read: 9:32
